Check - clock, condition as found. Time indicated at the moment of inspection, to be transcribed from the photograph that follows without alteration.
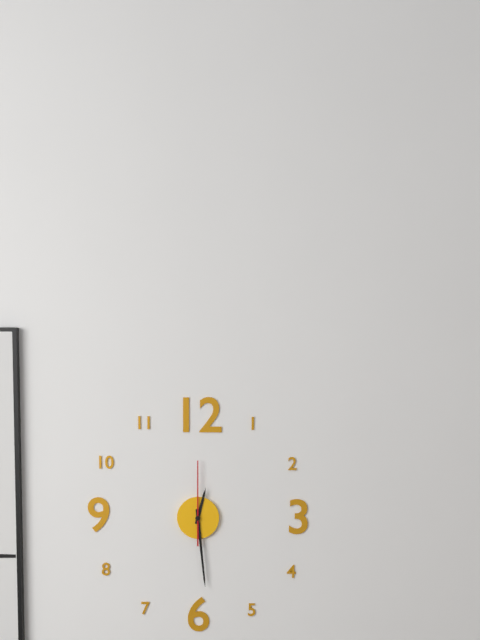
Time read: 12:29:00
